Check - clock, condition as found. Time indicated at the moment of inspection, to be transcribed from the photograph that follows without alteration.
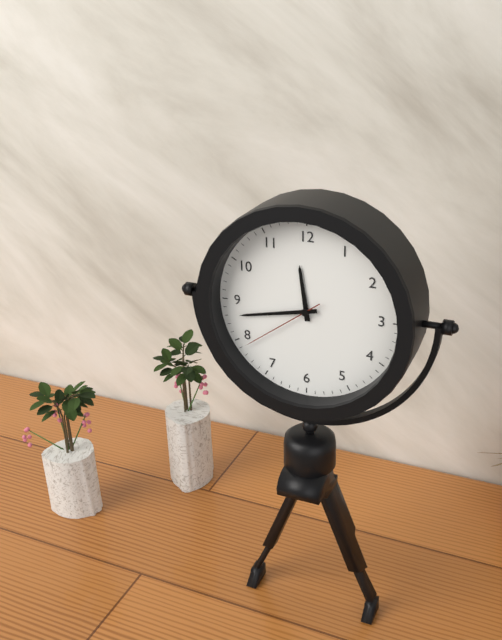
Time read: 11:43:39
